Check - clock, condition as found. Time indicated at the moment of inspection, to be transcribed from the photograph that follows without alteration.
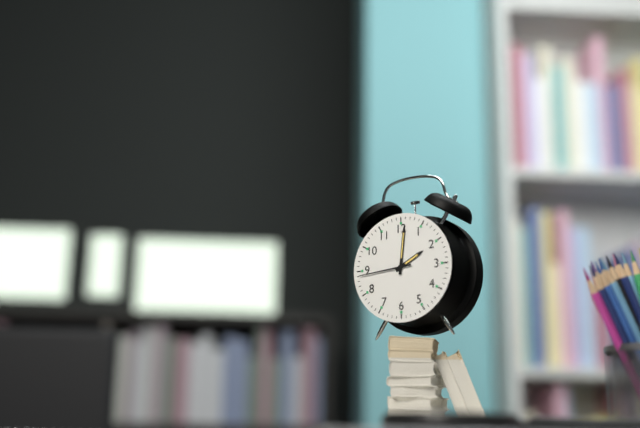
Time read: 2:01:44
